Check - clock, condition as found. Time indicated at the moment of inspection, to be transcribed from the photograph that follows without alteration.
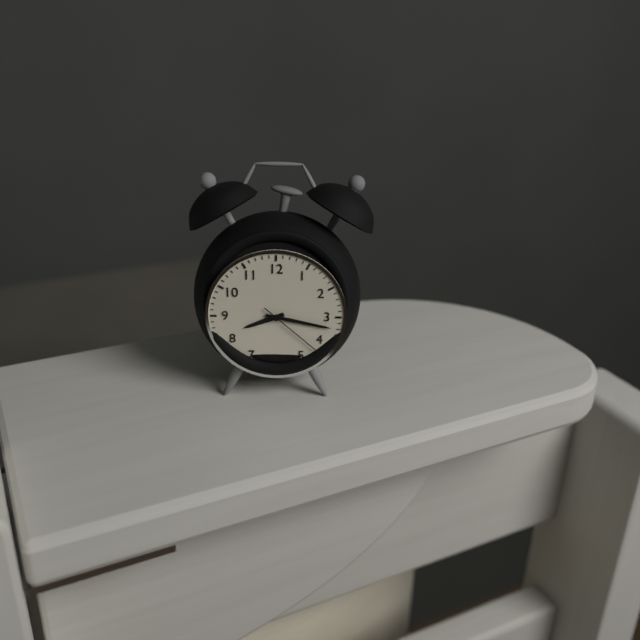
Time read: 8:17:22
